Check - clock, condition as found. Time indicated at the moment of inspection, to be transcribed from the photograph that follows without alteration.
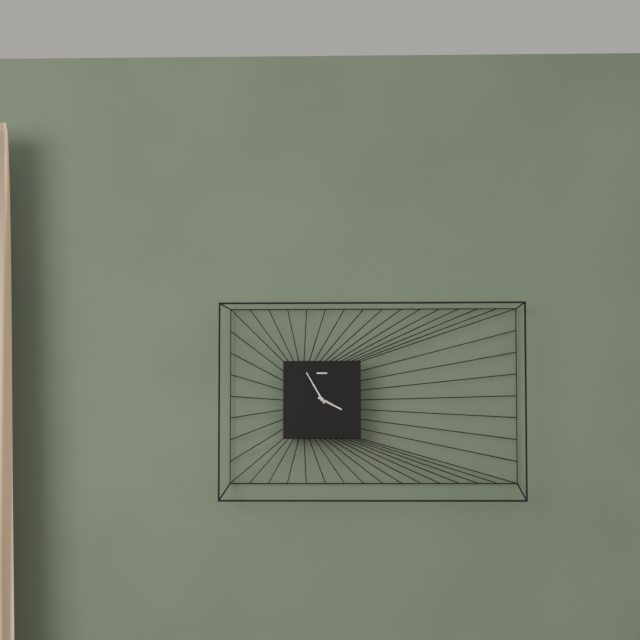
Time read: 3:55
